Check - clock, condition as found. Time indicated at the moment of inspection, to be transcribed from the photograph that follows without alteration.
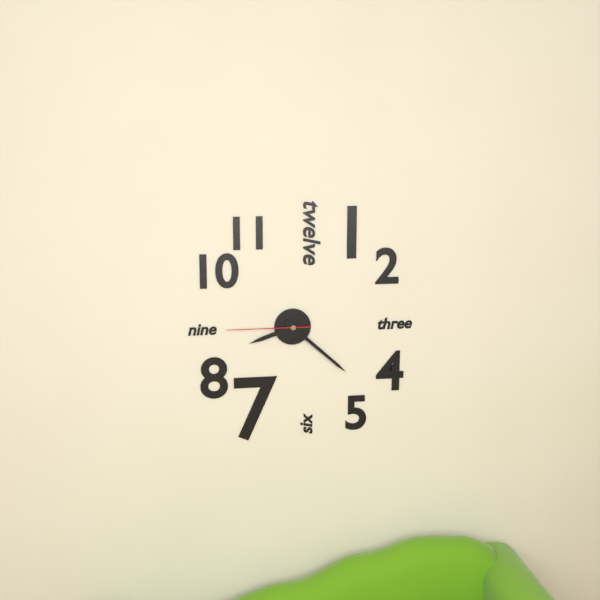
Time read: 8:22:45
